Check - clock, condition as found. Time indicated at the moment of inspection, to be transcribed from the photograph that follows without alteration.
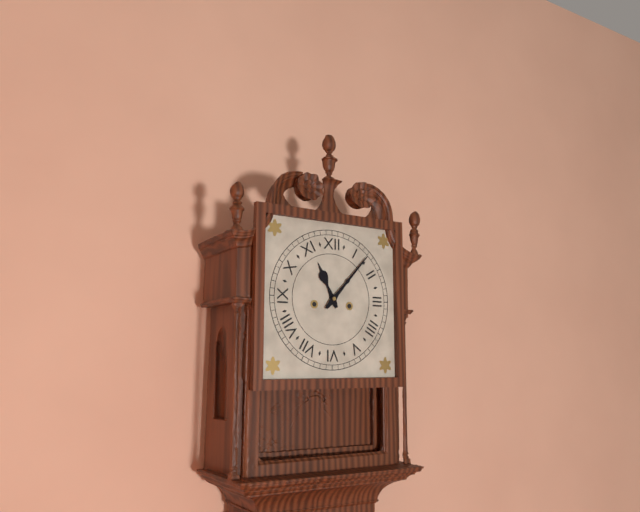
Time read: 11:07
